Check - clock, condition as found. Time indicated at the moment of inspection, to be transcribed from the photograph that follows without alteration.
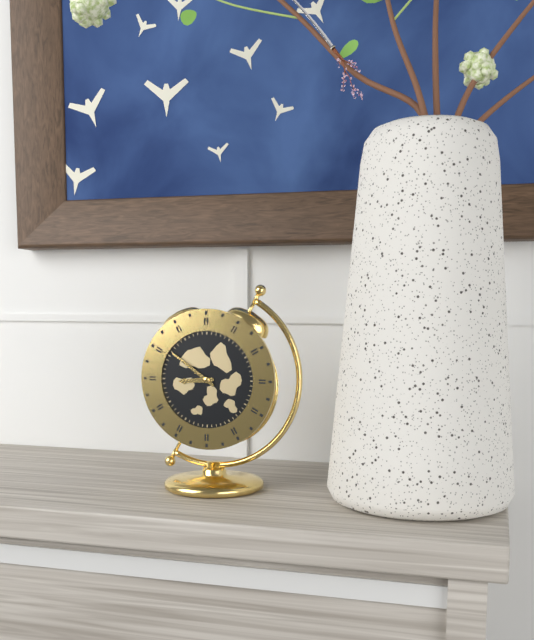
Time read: 8:51
